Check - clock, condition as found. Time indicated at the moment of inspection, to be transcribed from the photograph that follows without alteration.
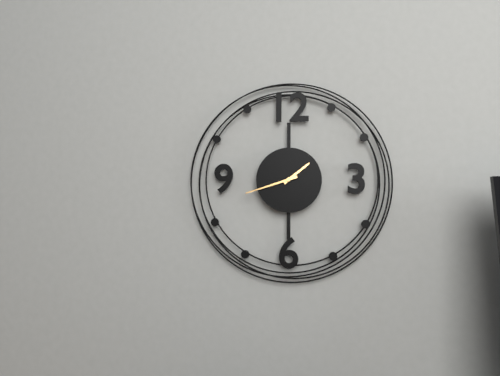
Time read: 1:42
